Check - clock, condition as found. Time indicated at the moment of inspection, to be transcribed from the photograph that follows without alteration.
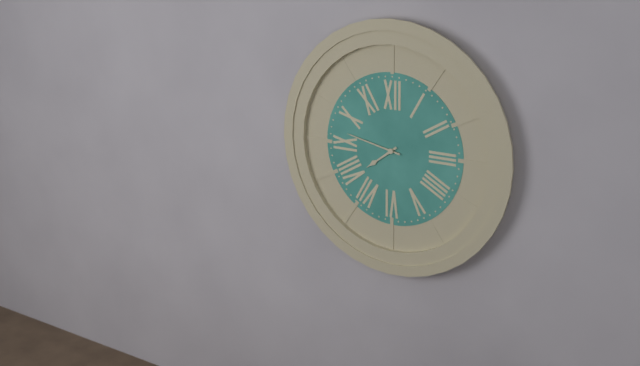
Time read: 7:47
